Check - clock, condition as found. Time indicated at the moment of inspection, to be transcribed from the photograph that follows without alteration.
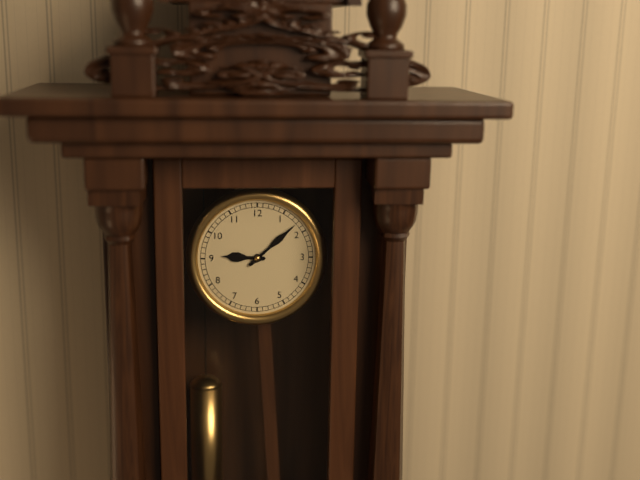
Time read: 9:08
